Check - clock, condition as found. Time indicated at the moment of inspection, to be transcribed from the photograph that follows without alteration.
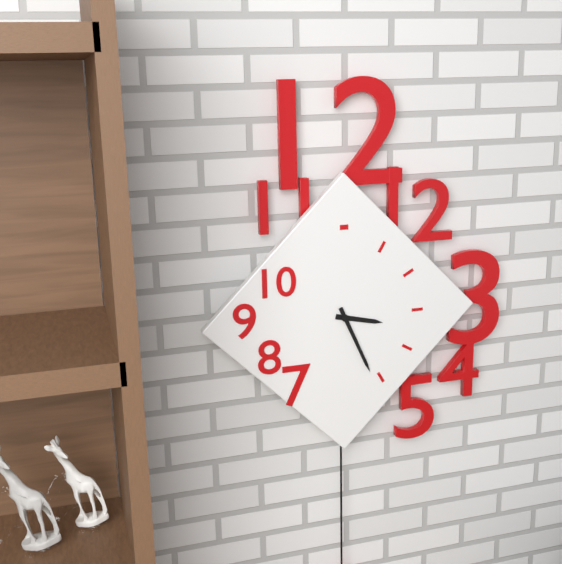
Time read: 3:26
